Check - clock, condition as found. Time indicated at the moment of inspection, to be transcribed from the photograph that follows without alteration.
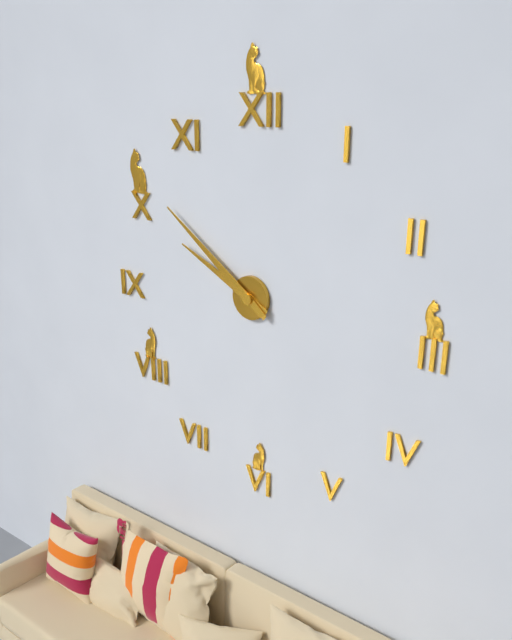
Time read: 9:51
